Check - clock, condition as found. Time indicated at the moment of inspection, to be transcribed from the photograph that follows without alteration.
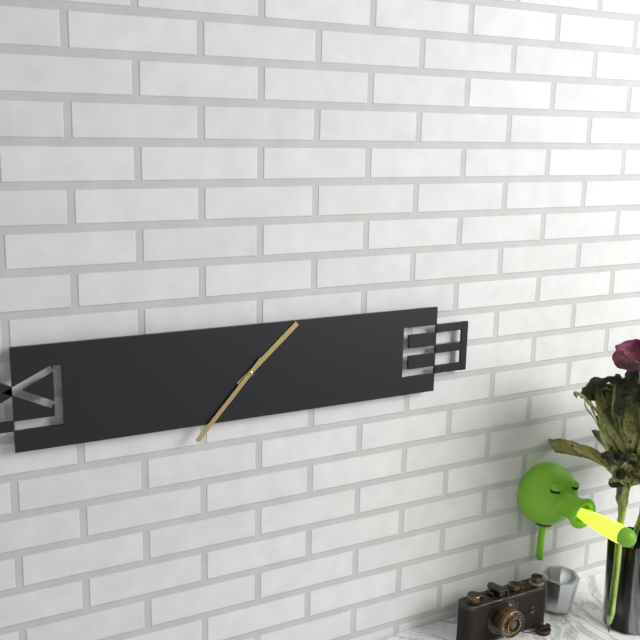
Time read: 1:37
